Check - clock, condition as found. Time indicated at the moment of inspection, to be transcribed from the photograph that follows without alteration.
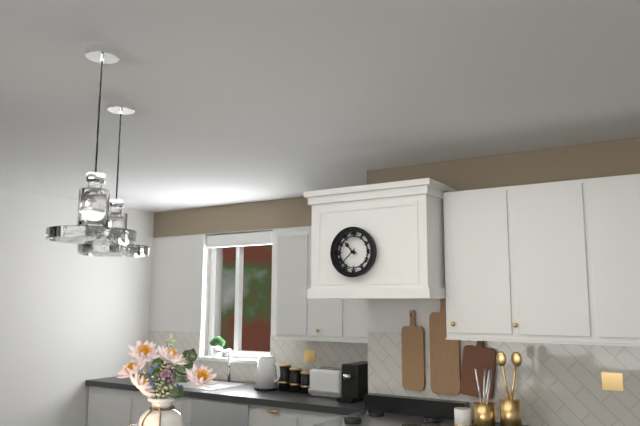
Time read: 10:38
